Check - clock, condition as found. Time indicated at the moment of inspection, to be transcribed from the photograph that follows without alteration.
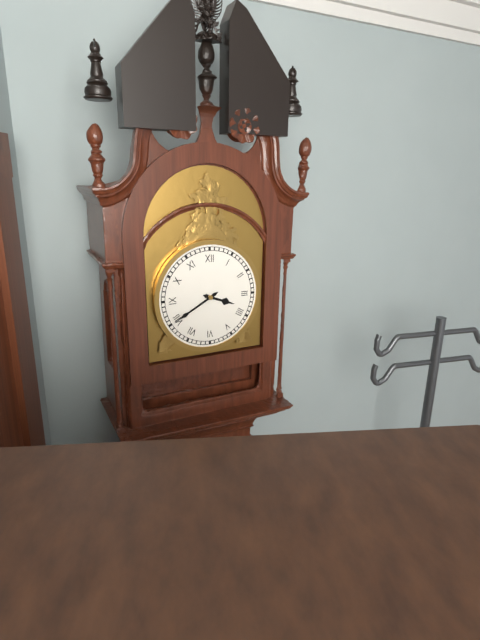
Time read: 3:40
